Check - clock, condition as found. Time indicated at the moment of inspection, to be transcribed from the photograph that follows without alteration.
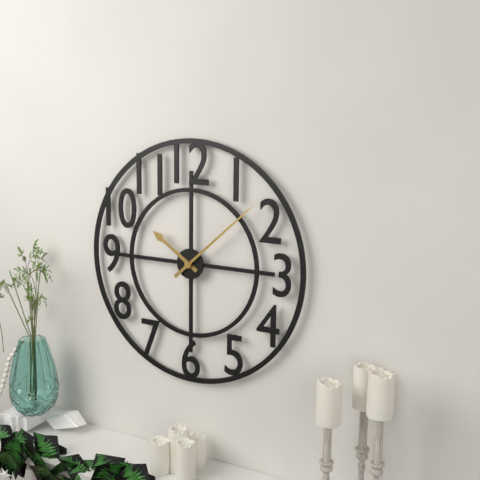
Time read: 10:08
